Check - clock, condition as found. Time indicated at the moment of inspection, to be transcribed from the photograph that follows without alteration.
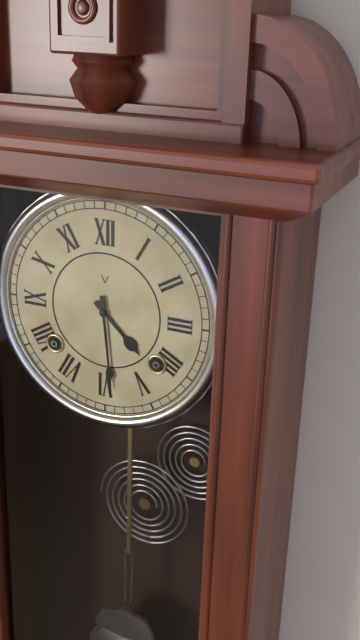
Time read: 4:29
